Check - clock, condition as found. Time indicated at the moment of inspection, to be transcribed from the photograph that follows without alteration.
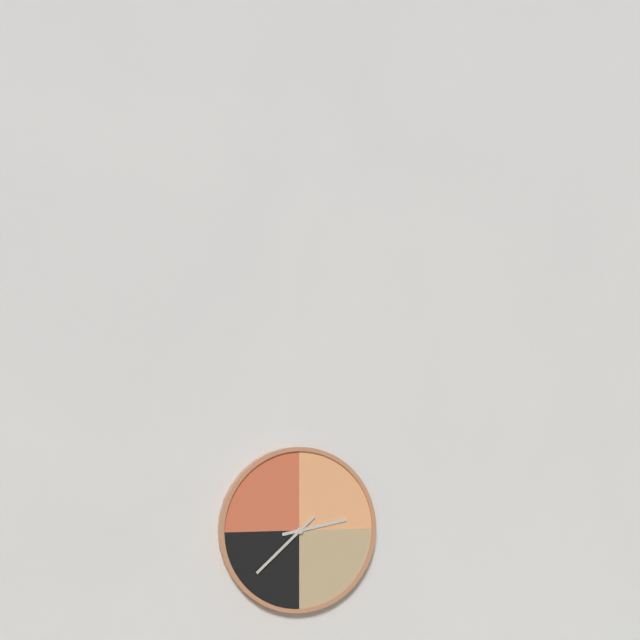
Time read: 2:38
